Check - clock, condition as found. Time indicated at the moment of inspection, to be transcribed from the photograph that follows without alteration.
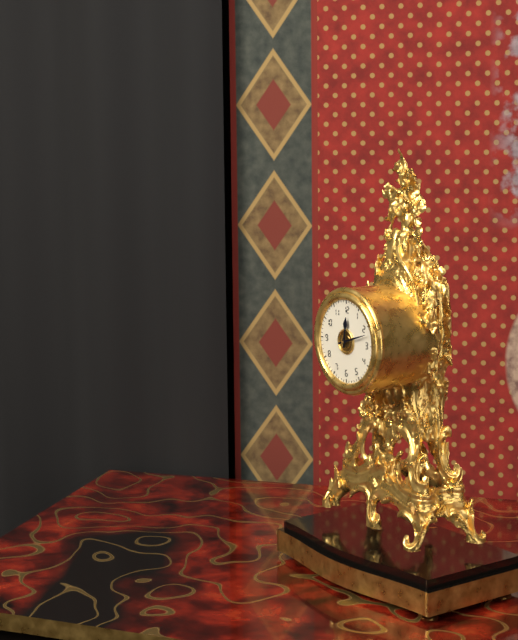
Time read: 12:12
